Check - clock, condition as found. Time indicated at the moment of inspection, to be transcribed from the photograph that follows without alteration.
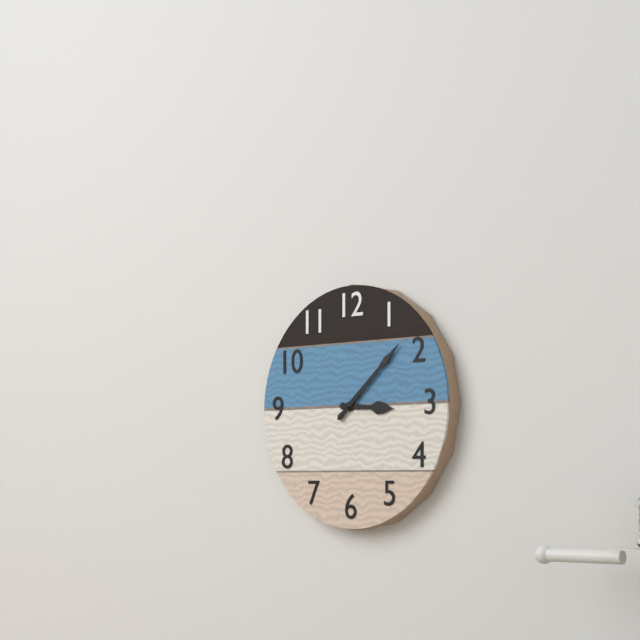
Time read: 3:08
